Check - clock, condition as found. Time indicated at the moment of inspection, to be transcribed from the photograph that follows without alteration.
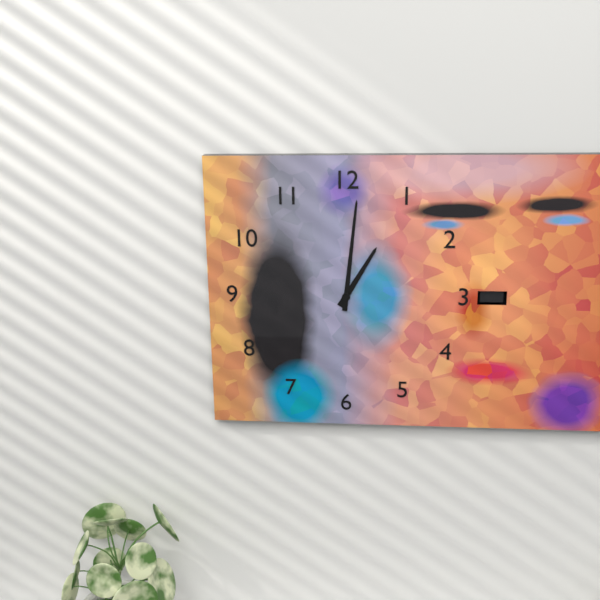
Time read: 1:01
